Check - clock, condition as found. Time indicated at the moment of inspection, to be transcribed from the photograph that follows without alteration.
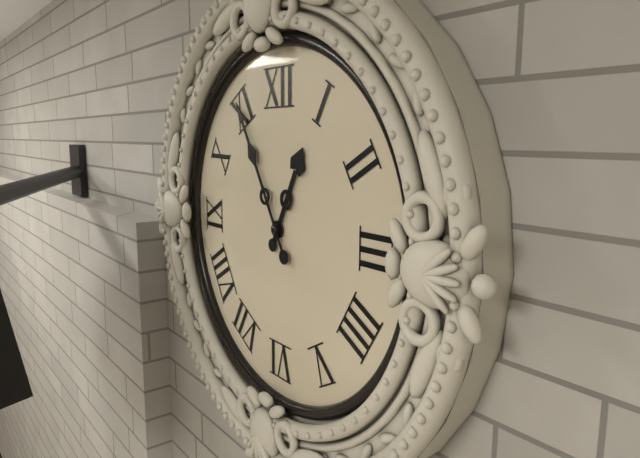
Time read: 12:55
